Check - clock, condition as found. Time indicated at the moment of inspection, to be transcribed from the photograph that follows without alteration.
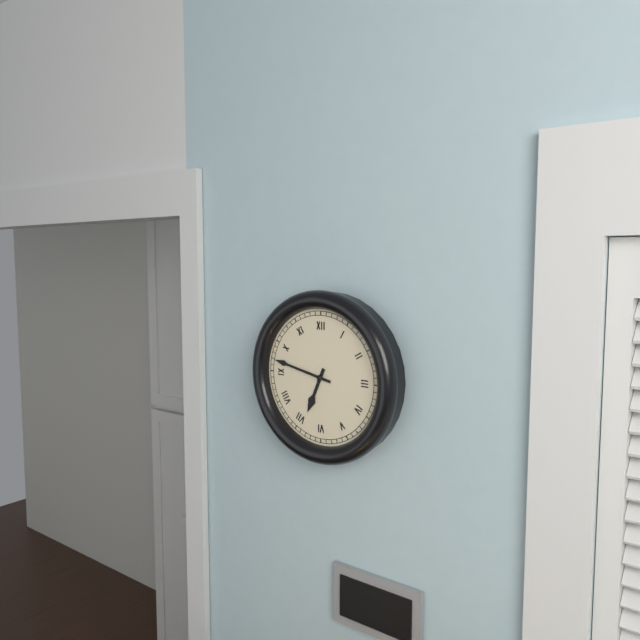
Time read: 6:47
